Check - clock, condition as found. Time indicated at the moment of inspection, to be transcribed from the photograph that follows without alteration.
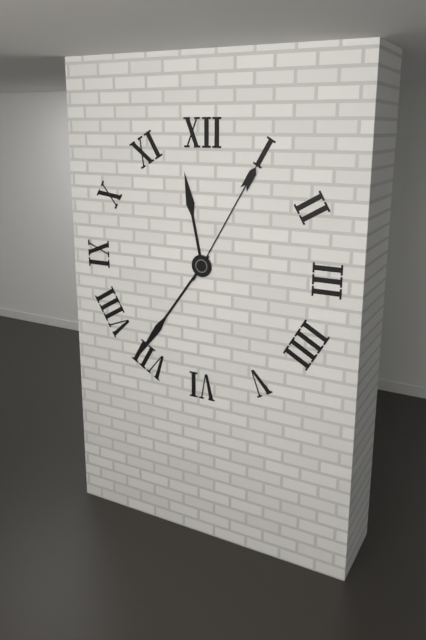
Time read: 11:36:05
